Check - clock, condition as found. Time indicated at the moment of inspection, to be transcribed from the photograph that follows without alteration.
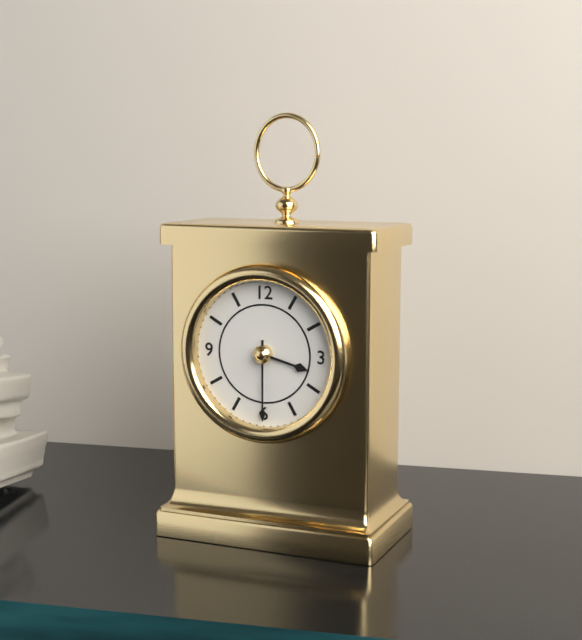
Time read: 3:30
